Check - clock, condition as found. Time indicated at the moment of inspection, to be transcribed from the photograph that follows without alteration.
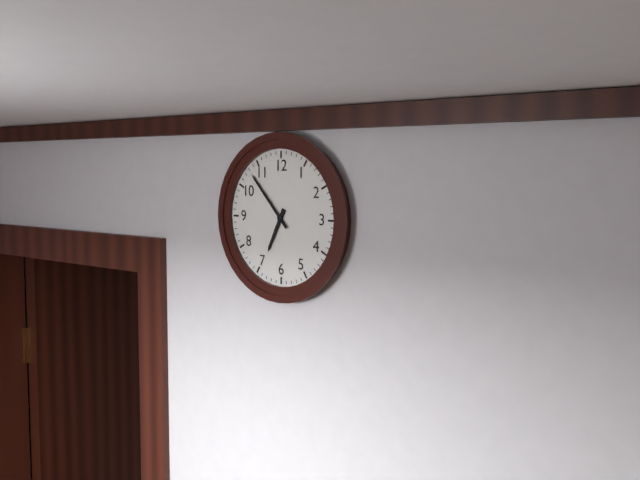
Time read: 6:53
